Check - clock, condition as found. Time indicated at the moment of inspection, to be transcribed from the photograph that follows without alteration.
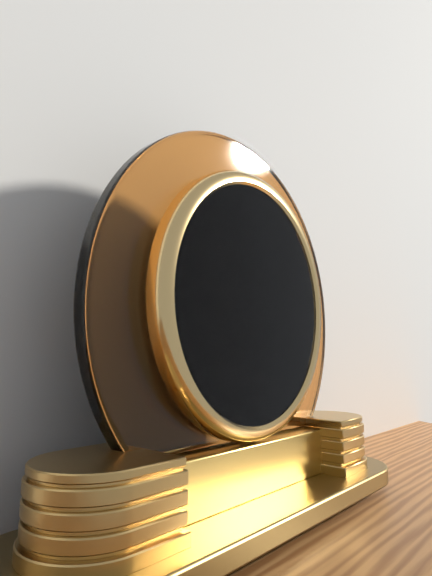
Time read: 10:45
